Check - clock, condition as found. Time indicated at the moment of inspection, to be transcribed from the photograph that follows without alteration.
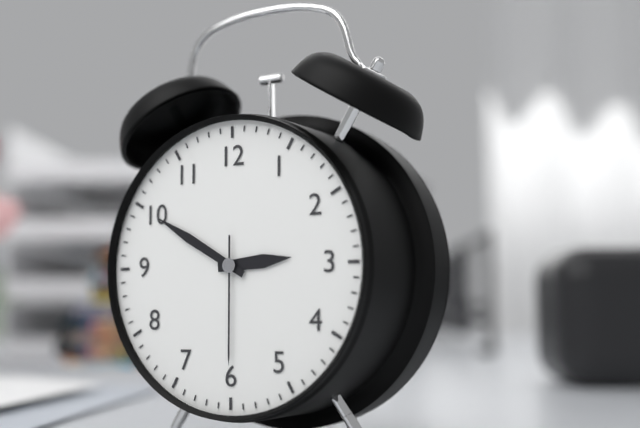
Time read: 2:50:30
